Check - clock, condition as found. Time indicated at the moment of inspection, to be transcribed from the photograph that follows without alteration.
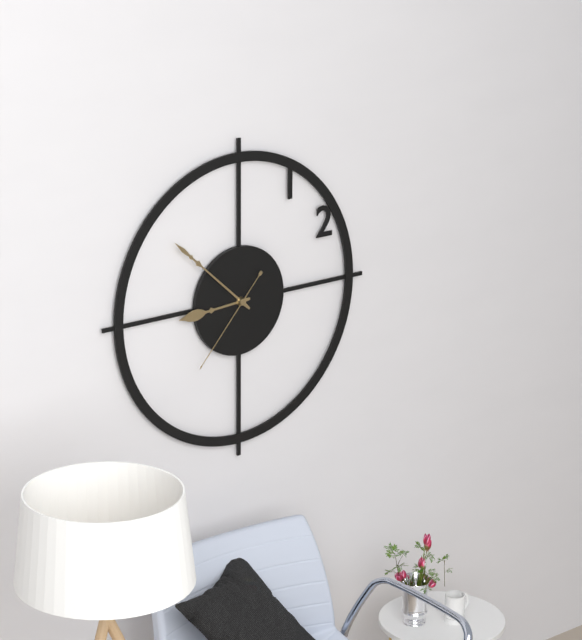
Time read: 8:52:37
